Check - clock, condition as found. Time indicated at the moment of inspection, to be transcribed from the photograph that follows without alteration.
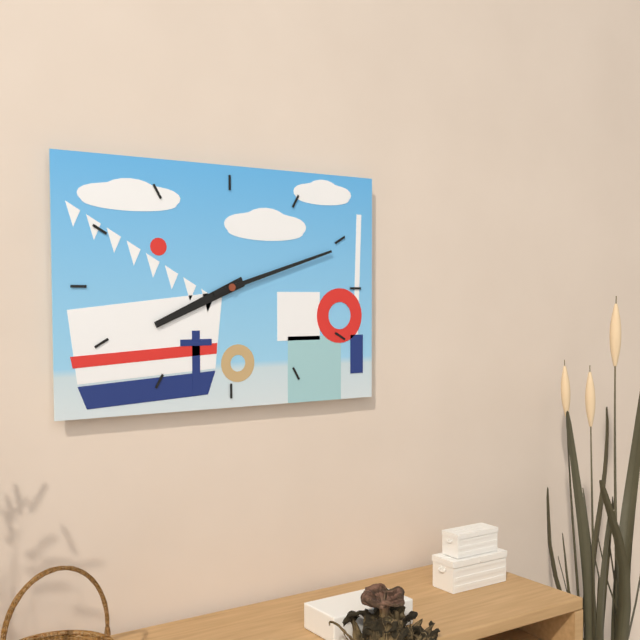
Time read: 8:12
